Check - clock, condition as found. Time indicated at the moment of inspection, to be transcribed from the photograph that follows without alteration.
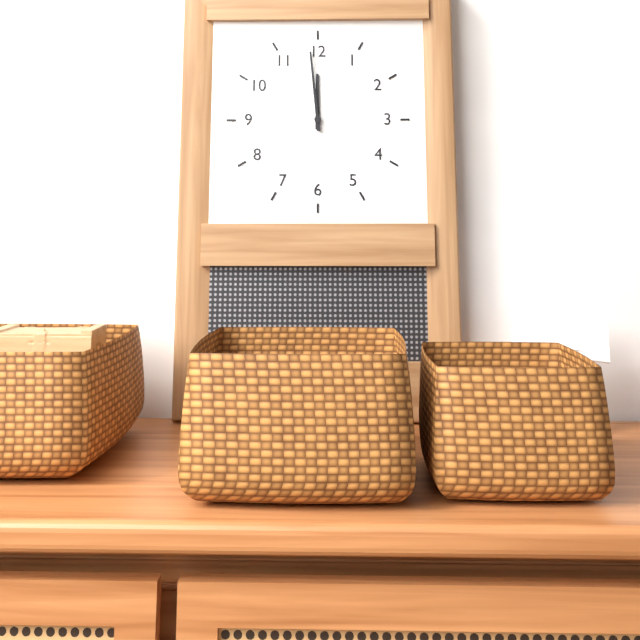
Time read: 11:59
